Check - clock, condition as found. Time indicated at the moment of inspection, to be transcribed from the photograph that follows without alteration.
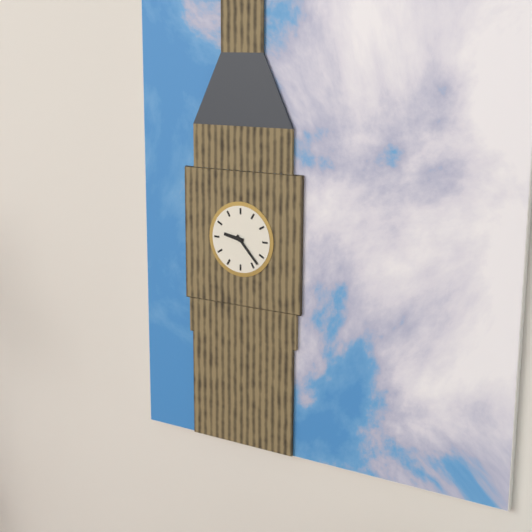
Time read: 9:23
